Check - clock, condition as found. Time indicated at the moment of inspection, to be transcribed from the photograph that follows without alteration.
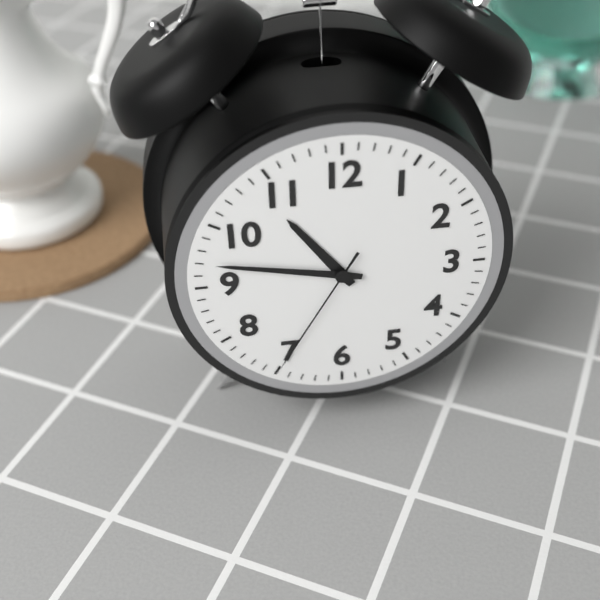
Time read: 10:47:35
